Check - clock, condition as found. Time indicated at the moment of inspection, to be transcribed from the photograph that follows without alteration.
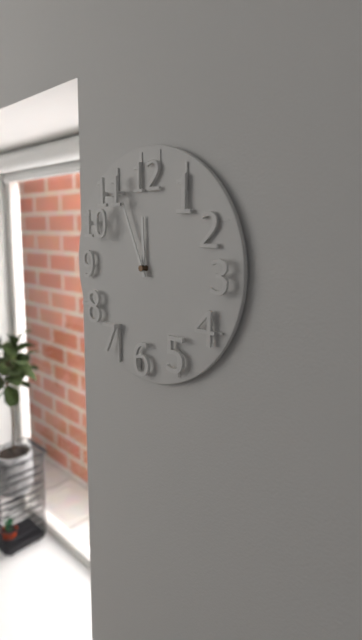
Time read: 11:56
